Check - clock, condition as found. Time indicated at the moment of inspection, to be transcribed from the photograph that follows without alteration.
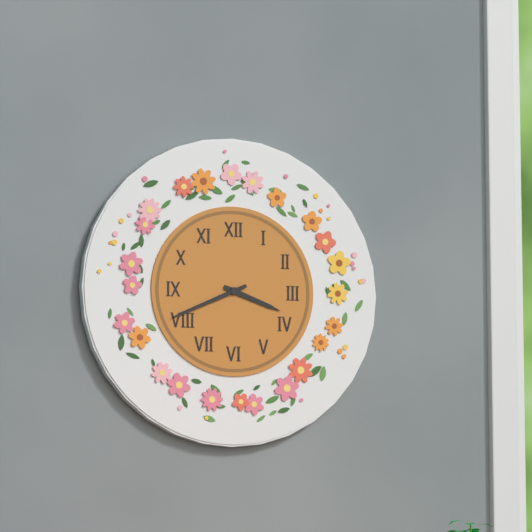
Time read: 3:41
